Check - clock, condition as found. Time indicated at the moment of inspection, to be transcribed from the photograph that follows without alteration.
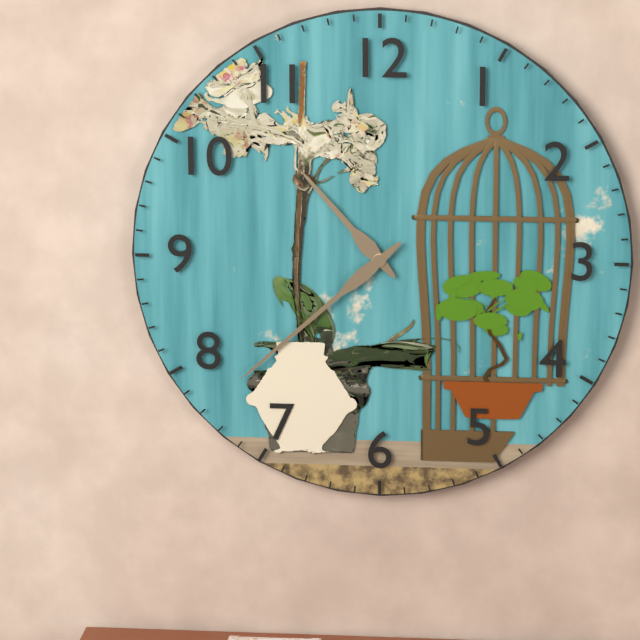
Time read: 10:38
